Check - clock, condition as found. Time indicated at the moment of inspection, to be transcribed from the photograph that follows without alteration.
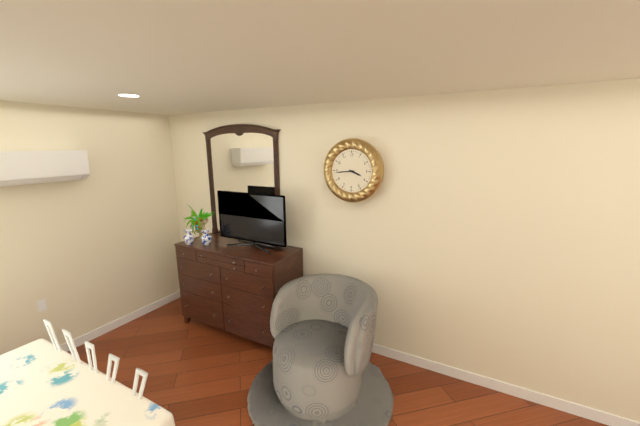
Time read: 3:44
